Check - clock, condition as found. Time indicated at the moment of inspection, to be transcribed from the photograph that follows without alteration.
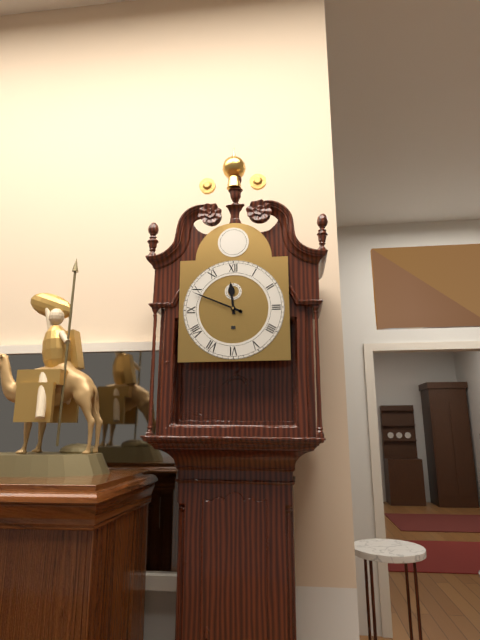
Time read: 11:49
